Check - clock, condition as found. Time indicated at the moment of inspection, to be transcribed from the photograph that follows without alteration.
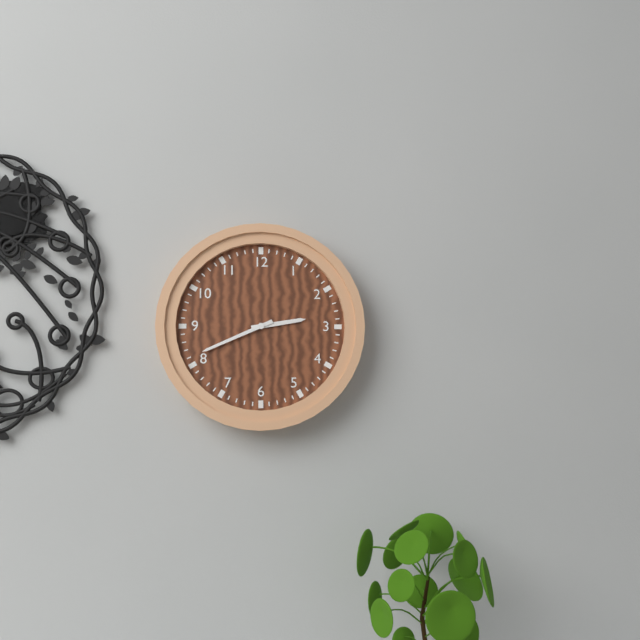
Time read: 2:41
